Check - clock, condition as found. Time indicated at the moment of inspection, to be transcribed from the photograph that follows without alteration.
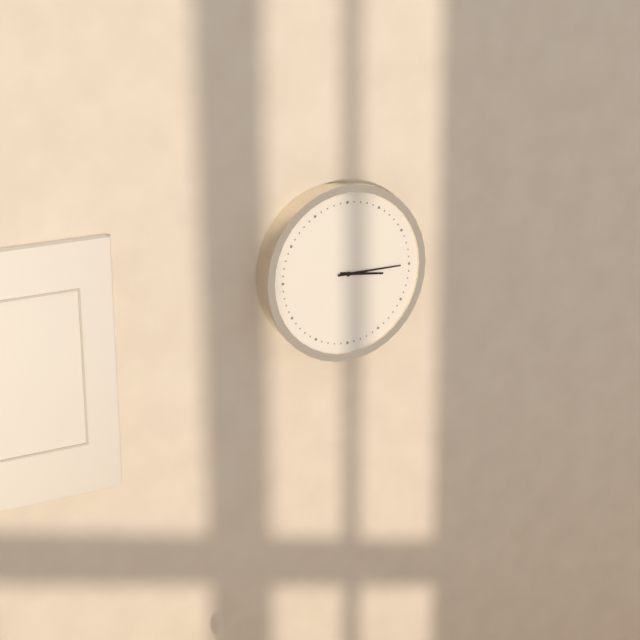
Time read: 3:15
